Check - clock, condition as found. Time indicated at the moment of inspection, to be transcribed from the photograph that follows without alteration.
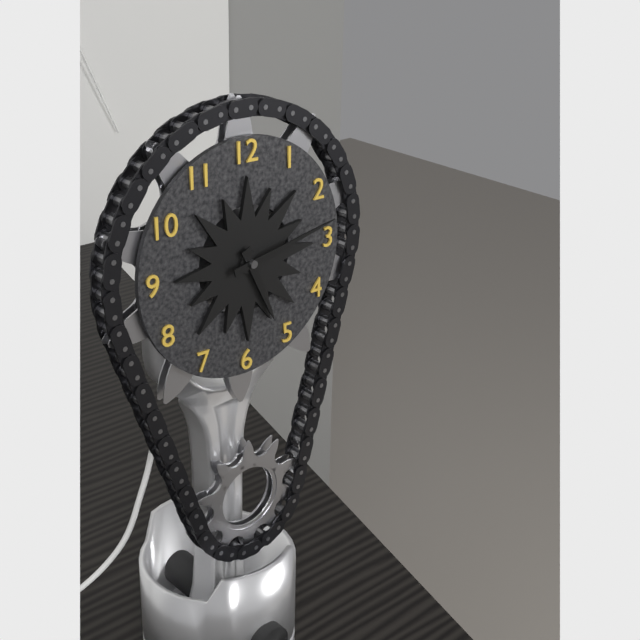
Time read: 5:13
